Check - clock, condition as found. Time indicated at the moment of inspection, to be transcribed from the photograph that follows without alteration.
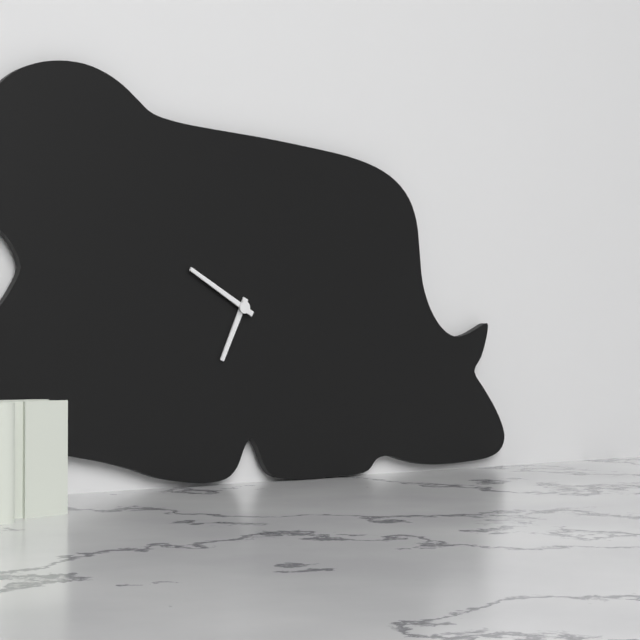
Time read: 6:50
